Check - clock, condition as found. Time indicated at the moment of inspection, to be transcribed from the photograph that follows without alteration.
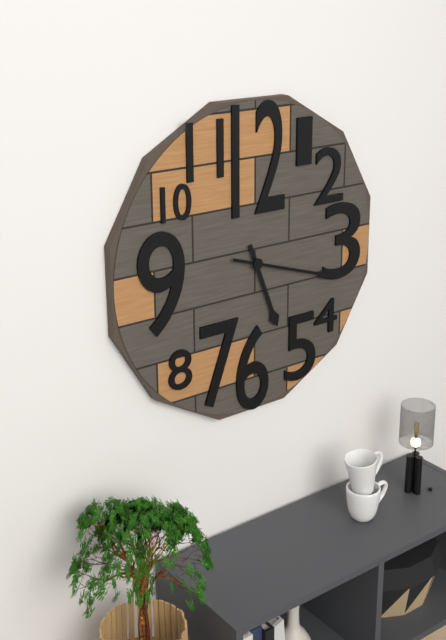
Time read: 5:18
